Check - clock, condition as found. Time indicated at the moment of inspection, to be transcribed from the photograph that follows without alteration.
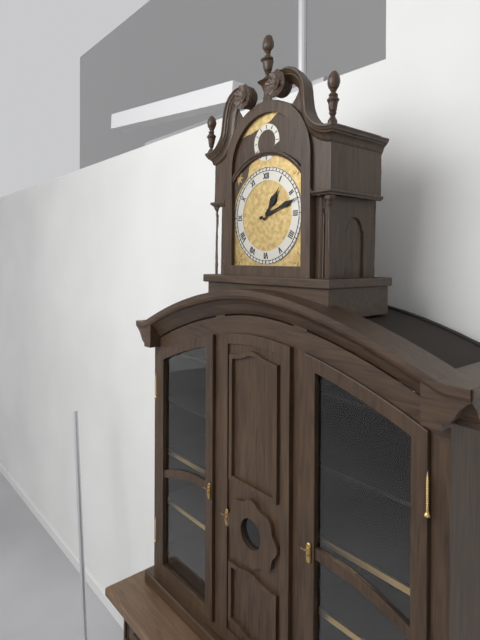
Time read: 1:12
